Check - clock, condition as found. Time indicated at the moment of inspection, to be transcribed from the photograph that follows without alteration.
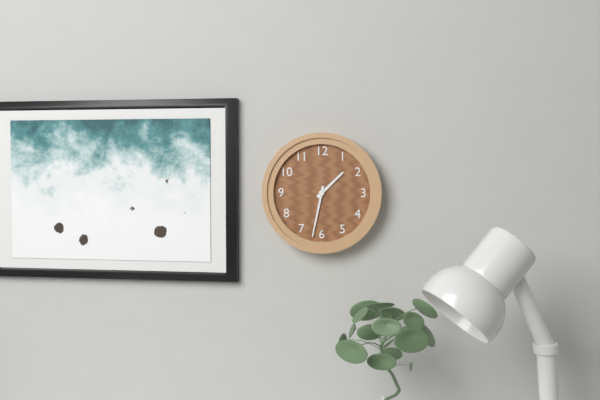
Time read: 1:32
